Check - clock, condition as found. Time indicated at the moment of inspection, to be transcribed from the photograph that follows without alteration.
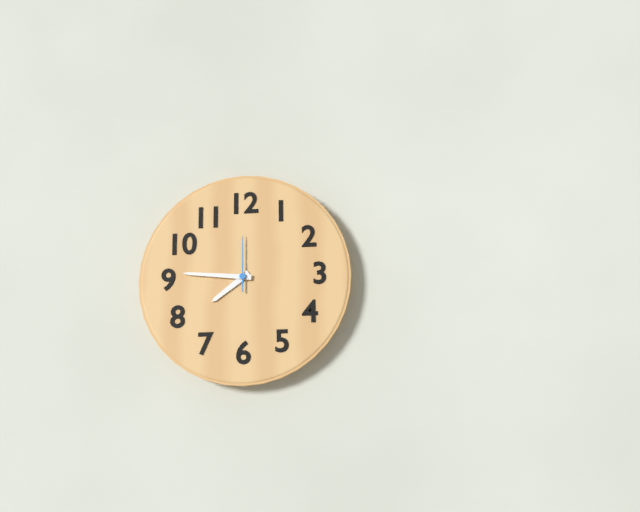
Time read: 7:46:00
